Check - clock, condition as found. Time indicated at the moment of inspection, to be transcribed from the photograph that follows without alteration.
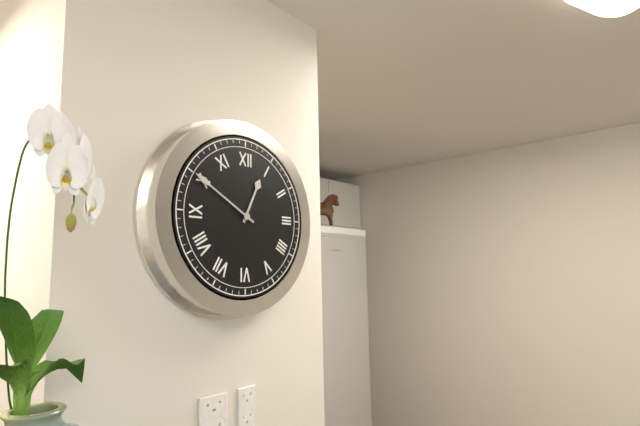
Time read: 12:50
